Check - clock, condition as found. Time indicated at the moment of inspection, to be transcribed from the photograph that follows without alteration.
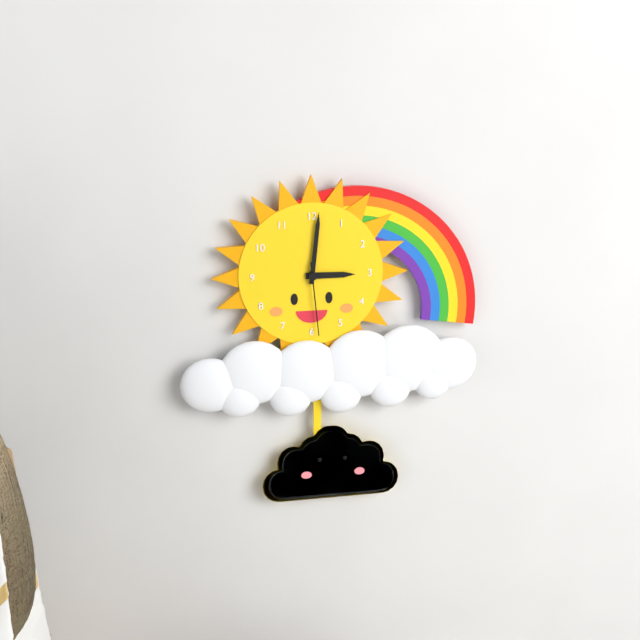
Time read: 3:01:29
